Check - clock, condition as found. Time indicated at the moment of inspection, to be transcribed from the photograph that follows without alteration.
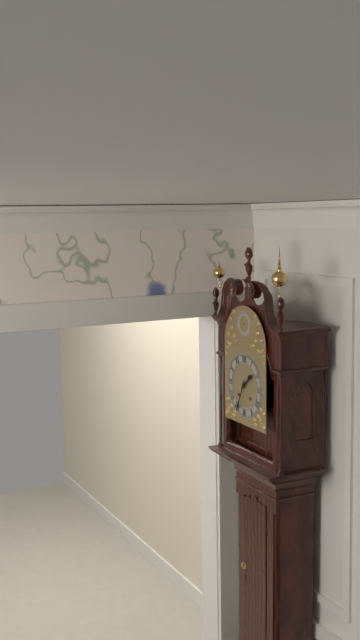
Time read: 1:34
